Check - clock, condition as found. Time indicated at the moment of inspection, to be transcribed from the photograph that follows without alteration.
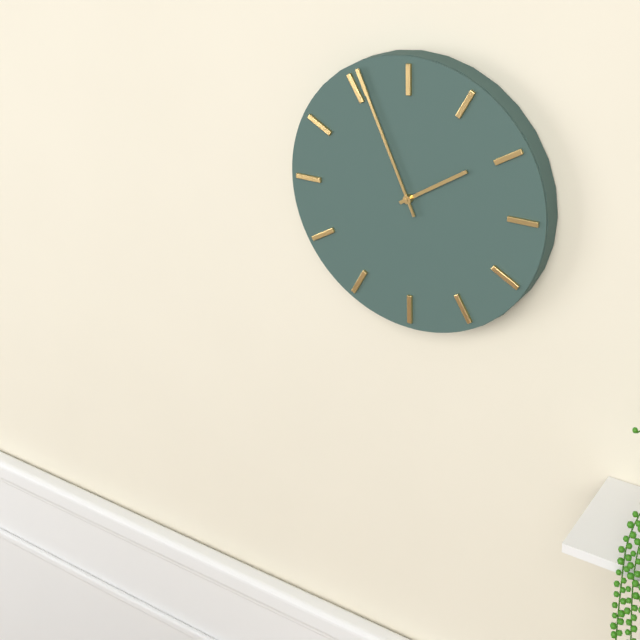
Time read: 1:56
